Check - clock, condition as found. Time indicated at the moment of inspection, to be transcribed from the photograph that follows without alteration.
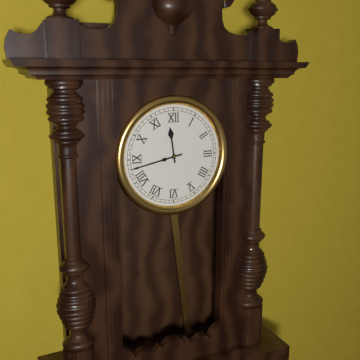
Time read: 11:43
